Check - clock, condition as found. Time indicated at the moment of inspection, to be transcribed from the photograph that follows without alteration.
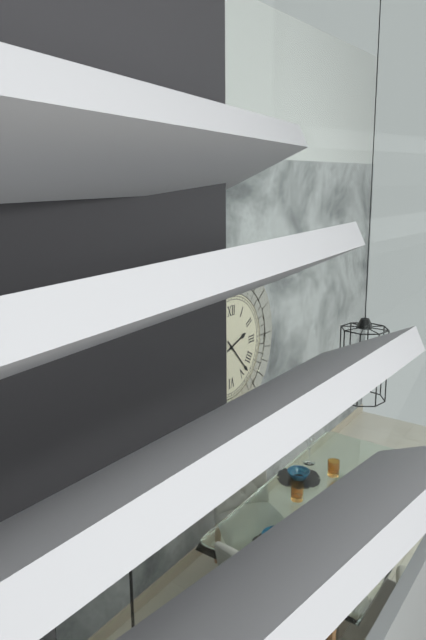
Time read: 2:23
